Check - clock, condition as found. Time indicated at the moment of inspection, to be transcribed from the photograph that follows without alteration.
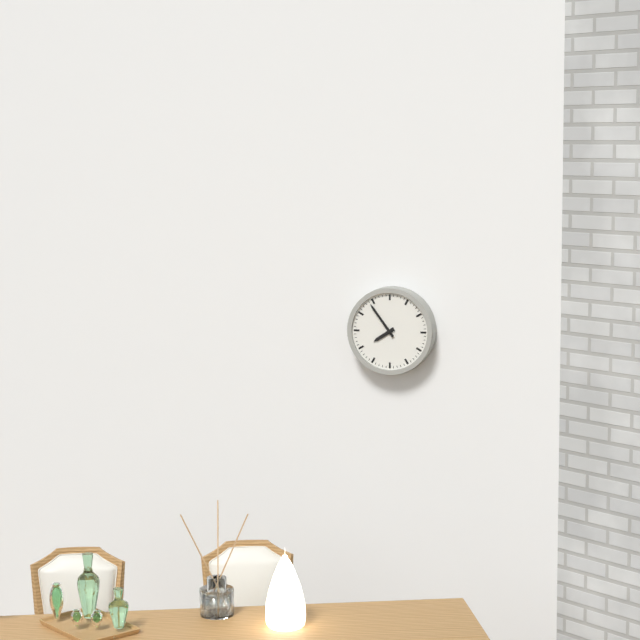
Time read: 7:54
